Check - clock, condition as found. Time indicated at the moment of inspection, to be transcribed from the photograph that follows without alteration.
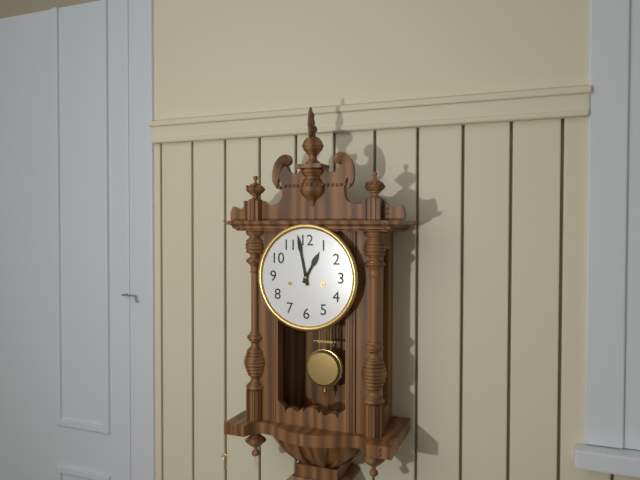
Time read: 12:58
